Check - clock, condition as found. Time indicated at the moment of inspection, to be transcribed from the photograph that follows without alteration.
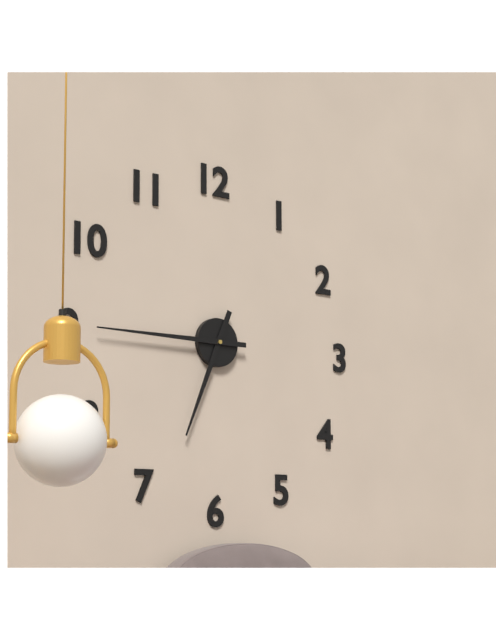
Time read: 6:45
